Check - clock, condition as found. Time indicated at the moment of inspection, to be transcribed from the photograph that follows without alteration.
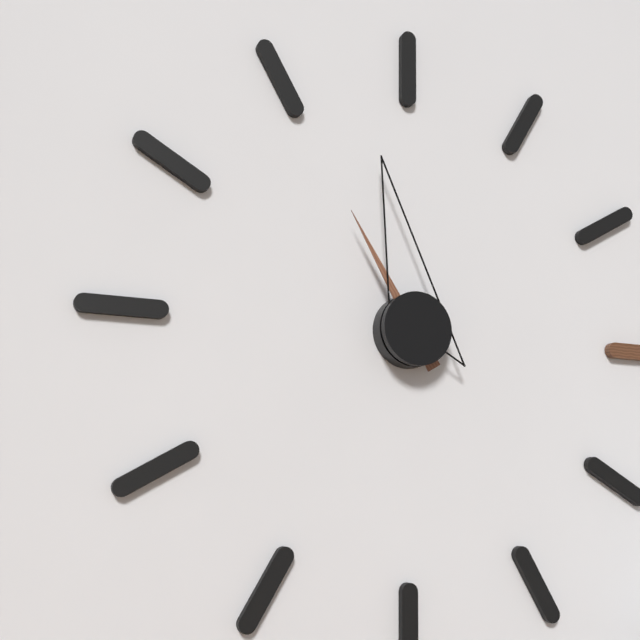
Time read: 10:58
